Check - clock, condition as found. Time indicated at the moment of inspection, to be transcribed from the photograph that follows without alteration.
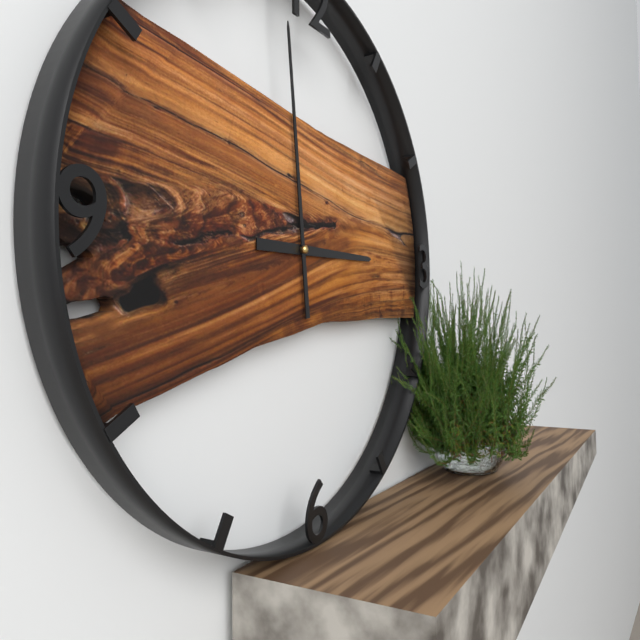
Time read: 2:59
